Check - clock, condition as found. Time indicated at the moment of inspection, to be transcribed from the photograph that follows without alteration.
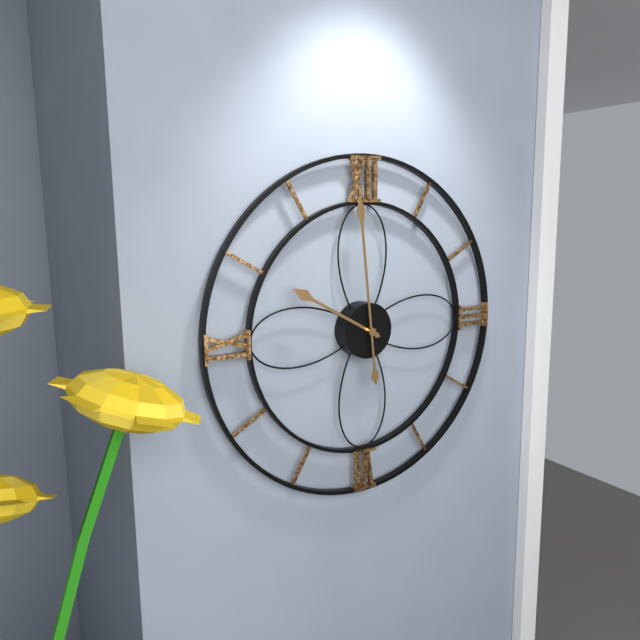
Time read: 9:59
